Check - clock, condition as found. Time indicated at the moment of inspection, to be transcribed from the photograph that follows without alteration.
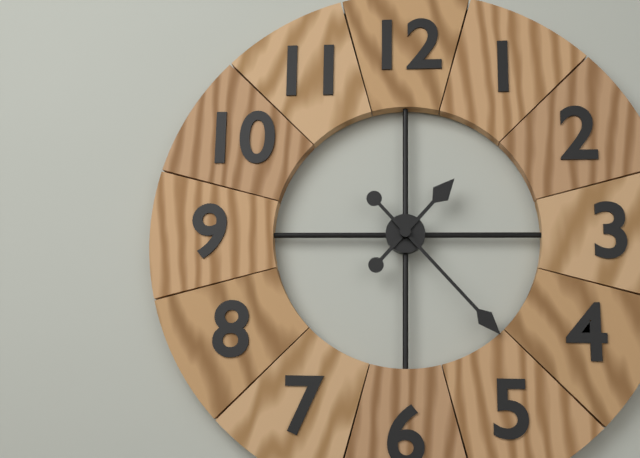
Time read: 1:23
